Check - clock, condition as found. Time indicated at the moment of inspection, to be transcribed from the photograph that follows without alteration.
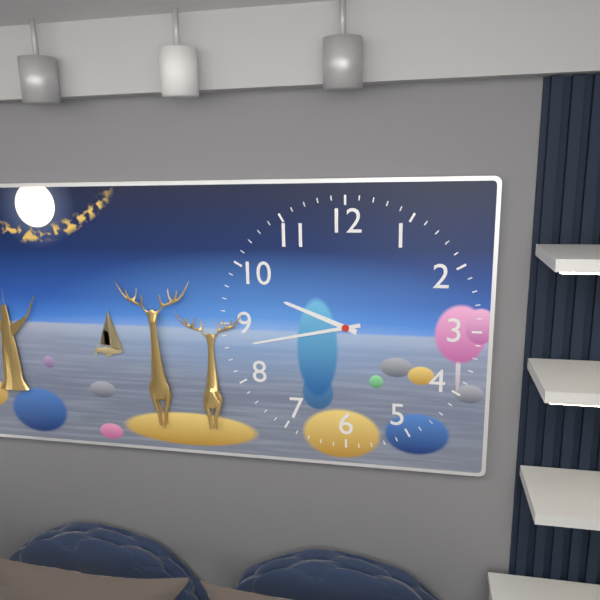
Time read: 9:43
